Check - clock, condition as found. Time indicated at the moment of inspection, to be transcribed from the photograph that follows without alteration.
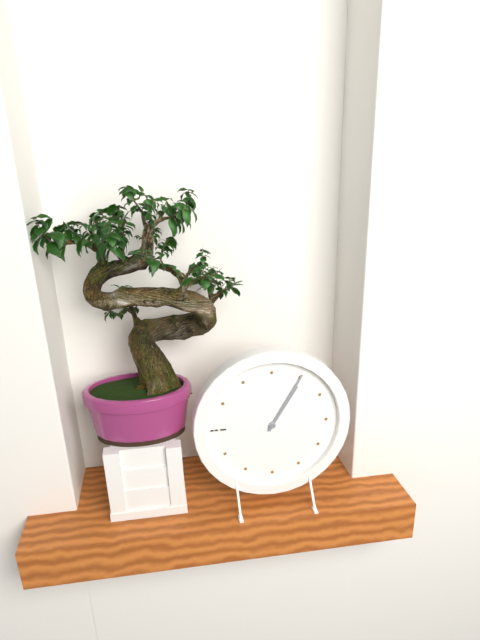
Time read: 1:05
